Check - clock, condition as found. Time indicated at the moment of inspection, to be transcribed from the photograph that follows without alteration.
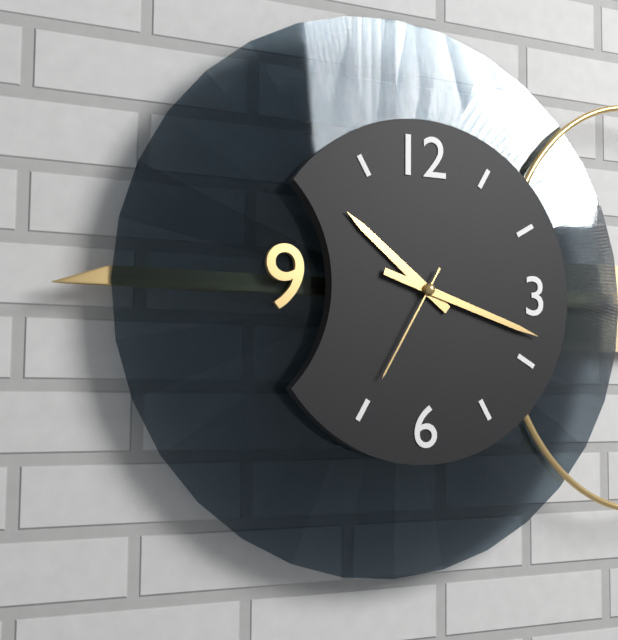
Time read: 10:18:35
